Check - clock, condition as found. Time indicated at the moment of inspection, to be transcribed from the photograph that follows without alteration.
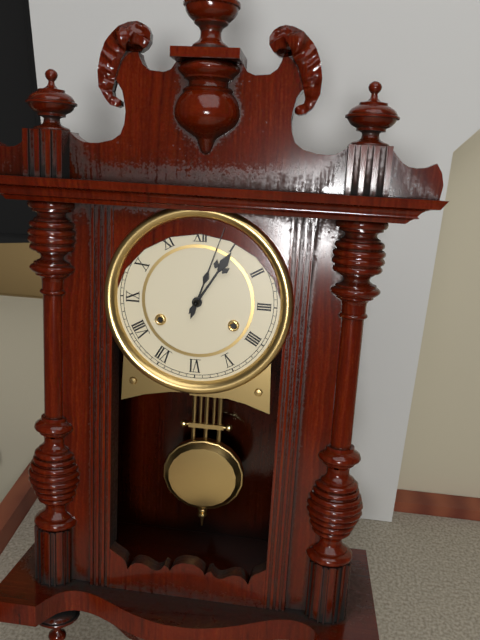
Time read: 1:03
